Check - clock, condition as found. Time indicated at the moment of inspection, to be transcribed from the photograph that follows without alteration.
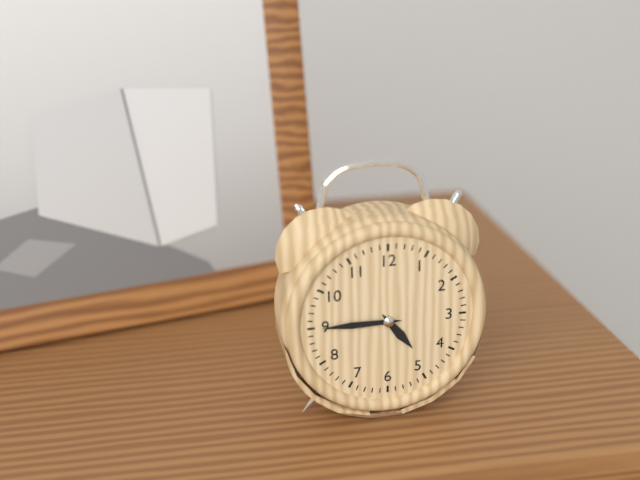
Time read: 4:45
